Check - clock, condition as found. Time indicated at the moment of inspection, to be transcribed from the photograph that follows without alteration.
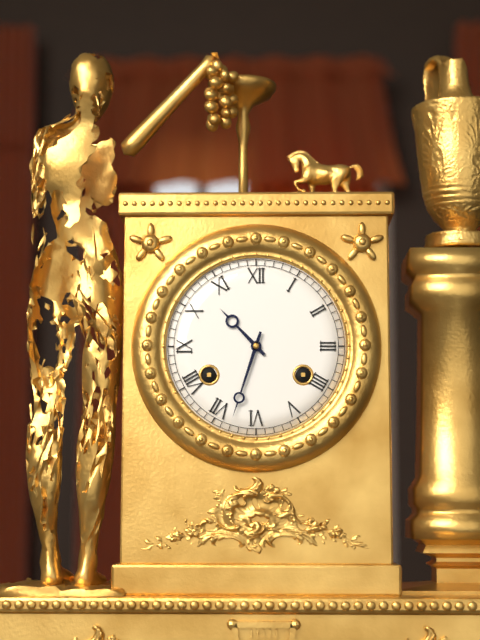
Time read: 10:33
